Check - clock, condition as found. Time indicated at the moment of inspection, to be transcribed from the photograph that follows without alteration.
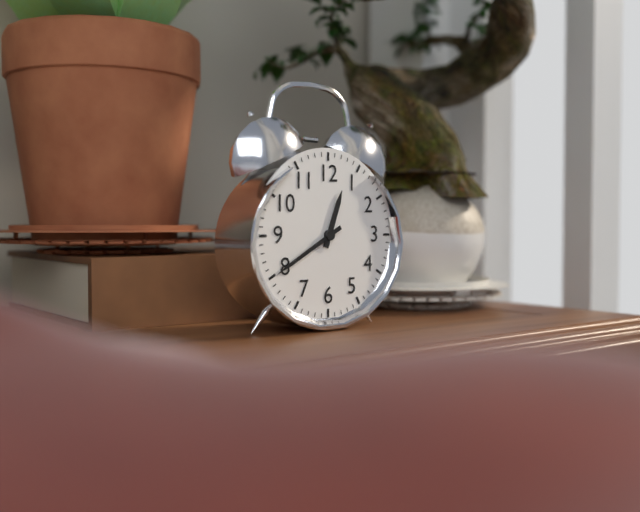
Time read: 12:40
